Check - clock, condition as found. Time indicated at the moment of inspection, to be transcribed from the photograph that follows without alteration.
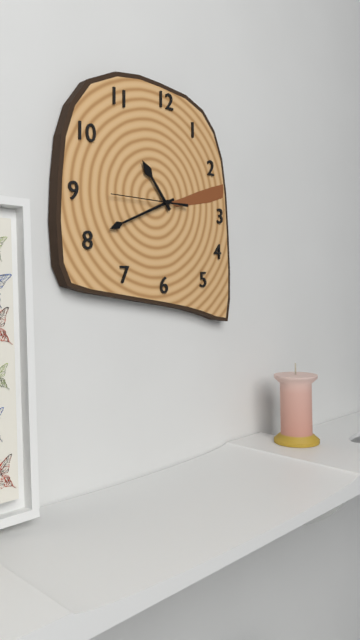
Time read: 10:41:45
